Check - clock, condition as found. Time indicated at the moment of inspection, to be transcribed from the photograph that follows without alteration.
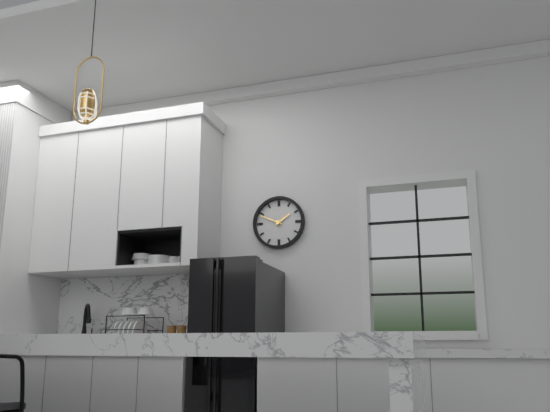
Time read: 1:49
